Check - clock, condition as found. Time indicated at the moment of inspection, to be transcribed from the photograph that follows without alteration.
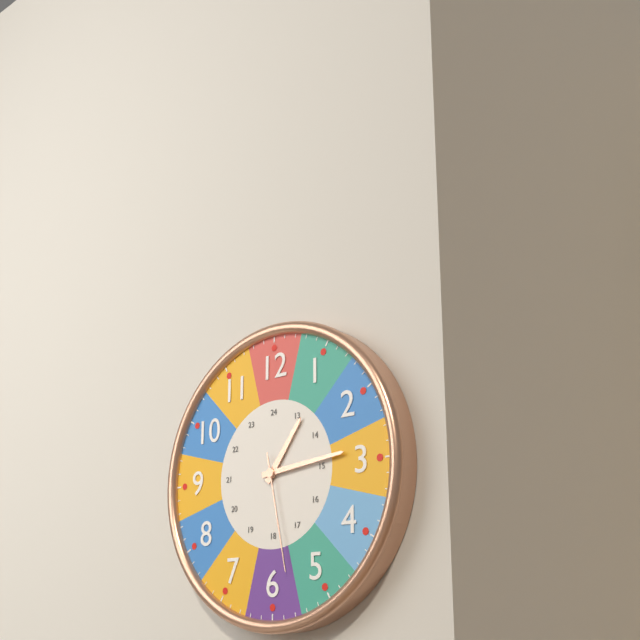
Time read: 1:14:28
